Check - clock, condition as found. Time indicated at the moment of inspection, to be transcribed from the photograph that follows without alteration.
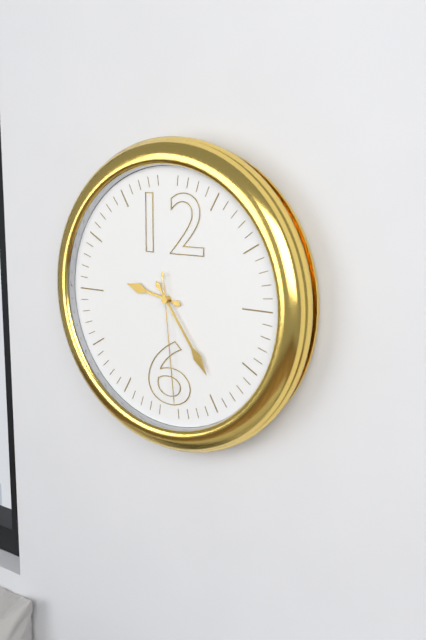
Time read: 9:24:29
